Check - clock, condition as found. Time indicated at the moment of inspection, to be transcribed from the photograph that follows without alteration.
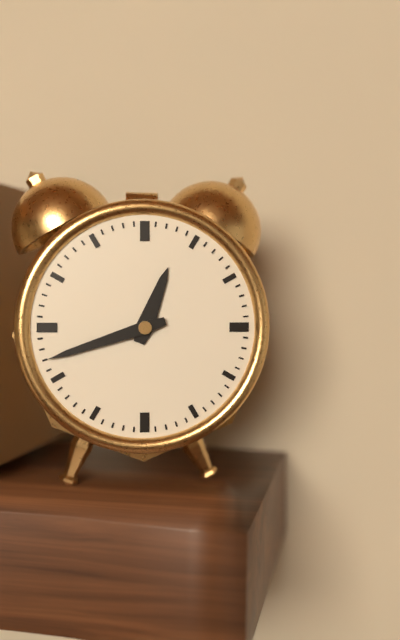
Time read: 12:42
